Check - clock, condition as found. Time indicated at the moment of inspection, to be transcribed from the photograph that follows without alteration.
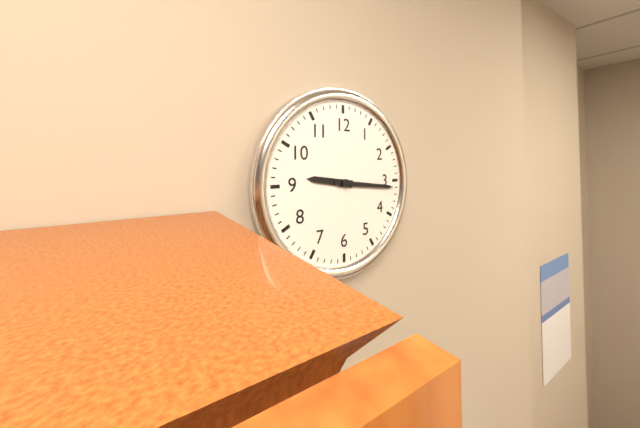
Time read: 9:16
